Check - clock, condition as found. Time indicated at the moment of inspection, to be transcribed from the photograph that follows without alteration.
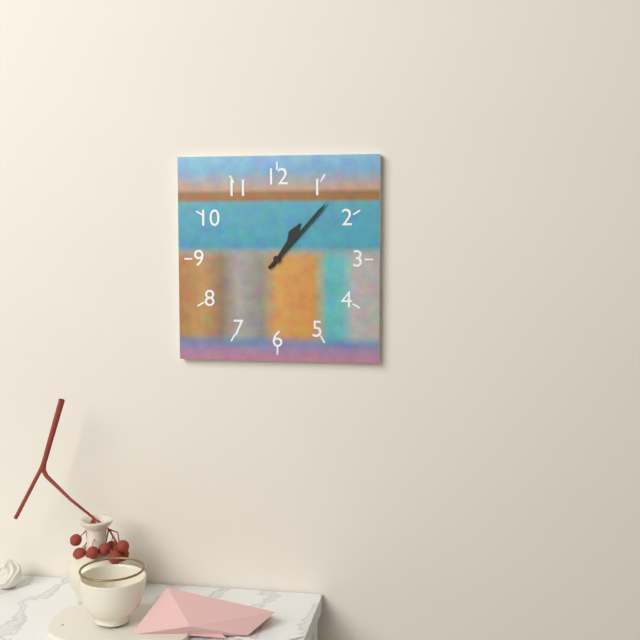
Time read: 1:07
